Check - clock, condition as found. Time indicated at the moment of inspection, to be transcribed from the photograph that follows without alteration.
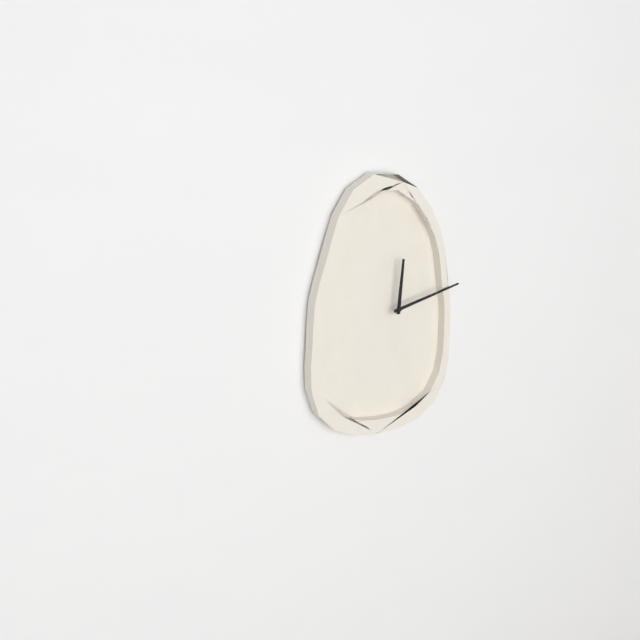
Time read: 12:13
